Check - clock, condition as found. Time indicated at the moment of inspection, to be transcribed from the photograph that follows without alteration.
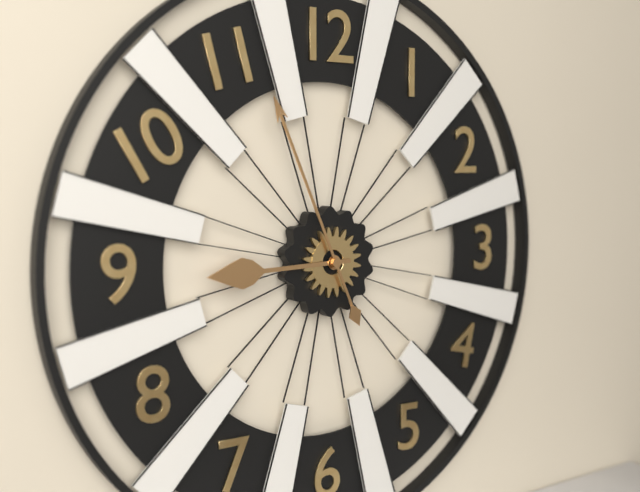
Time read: 8:56
